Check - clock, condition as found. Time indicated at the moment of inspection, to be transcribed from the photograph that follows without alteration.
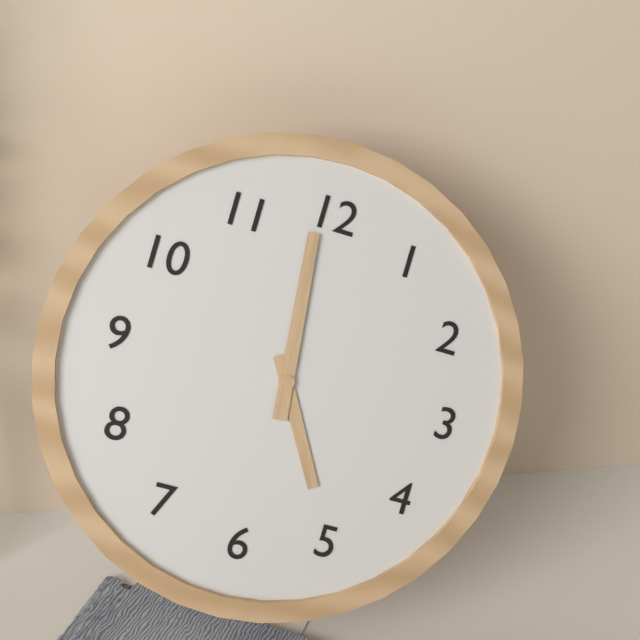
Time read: 4:59
